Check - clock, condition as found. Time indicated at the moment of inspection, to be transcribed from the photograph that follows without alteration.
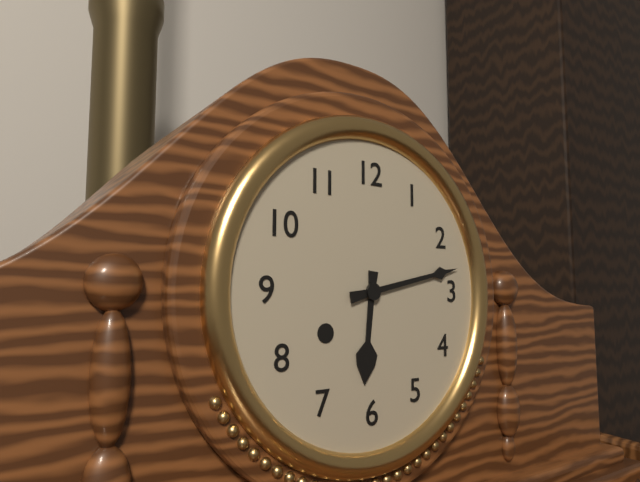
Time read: 6:13
